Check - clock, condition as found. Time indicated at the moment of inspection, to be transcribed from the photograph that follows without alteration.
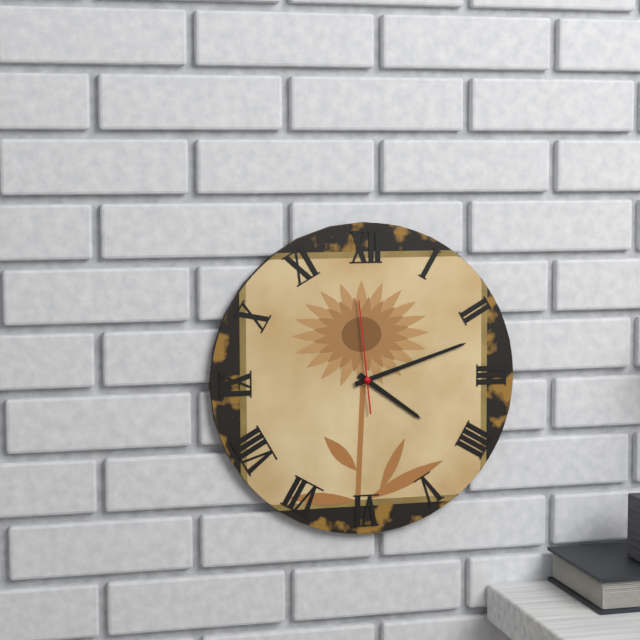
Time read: 4:12:59
